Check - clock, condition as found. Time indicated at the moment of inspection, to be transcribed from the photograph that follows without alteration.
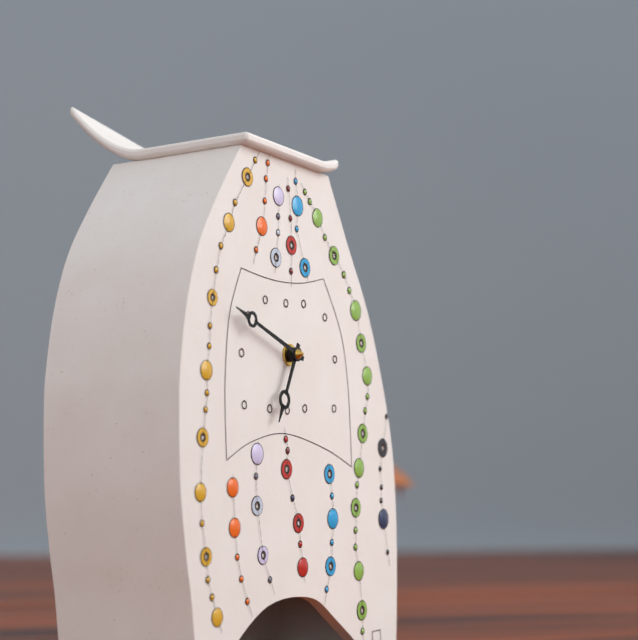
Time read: 6:48
